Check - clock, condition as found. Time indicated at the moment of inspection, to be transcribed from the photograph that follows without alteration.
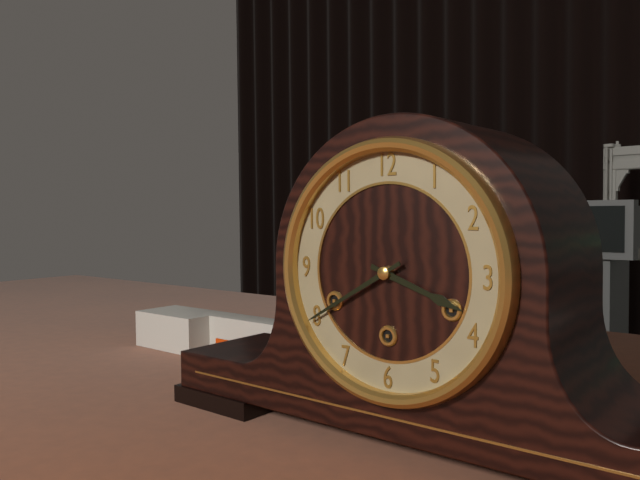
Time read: 3:40
